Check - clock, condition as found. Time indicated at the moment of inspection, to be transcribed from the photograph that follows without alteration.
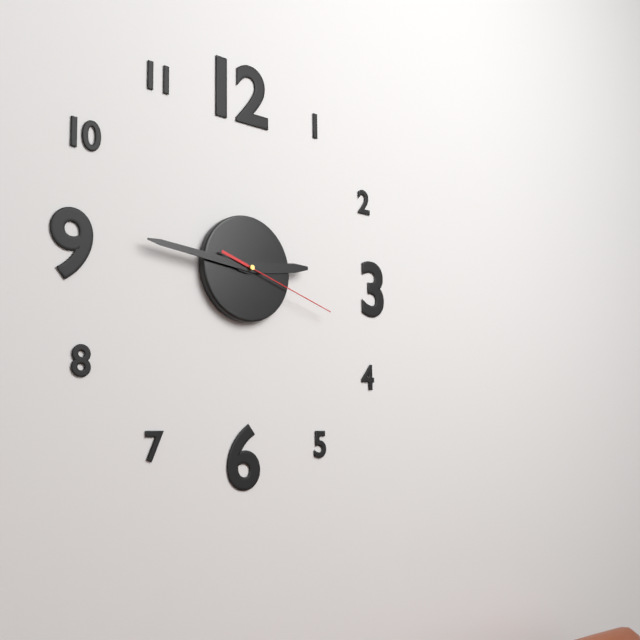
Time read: 2:46:18
